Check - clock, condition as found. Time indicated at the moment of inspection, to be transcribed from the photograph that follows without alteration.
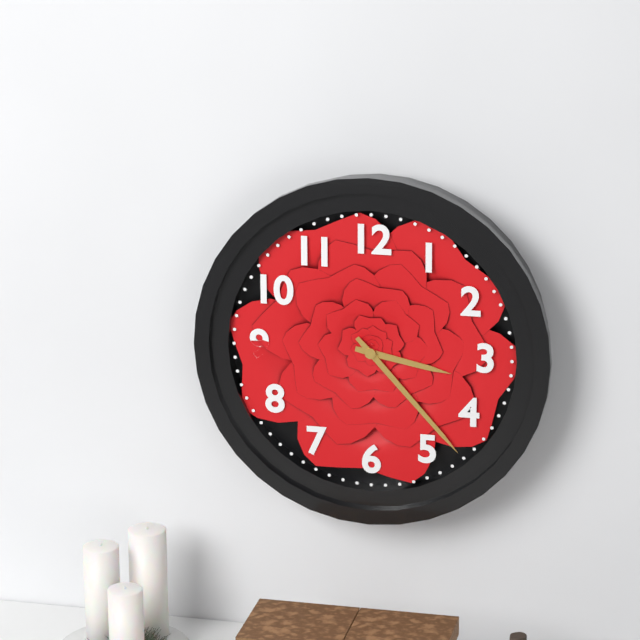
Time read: 3:23
